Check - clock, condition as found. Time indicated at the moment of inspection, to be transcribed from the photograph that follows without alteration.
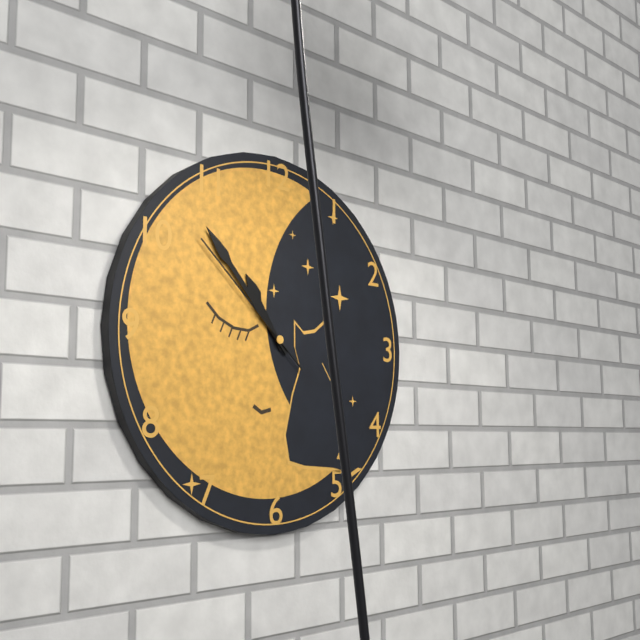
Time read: 10:53:52
